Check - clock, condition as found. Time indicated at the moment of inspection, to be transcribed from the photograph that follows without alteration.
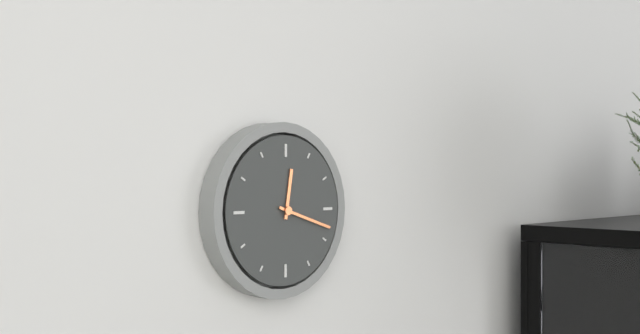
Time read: 12:18
